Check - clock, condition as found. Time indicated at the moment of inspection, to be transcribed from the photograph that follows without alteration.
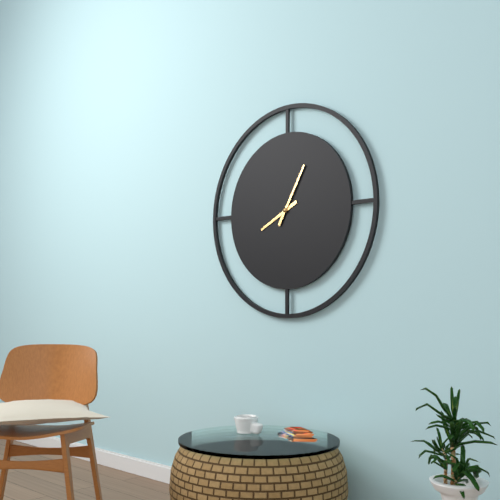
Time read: 8:05
